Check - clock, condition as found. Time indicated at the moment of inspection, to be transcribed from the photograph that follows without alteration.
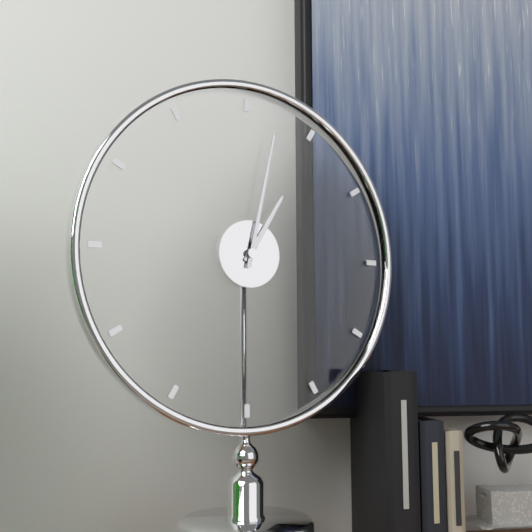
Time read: 1:02
